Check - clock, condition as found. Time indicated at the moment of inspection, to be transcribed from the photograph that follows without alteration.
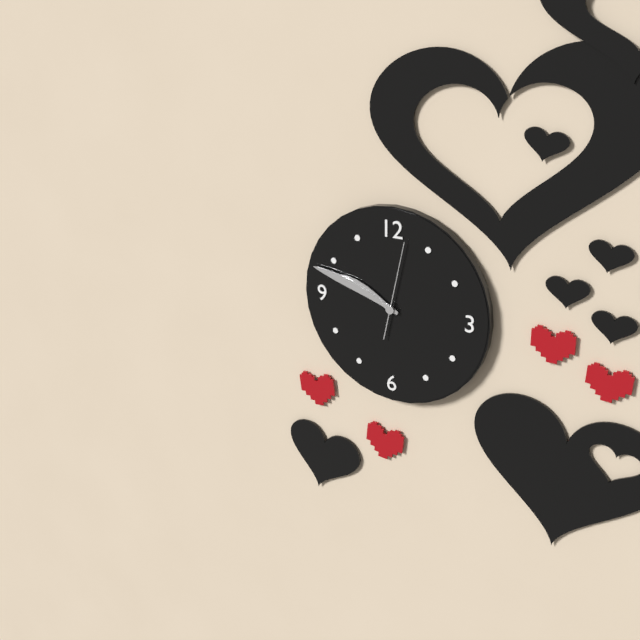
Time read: 9:48:02
